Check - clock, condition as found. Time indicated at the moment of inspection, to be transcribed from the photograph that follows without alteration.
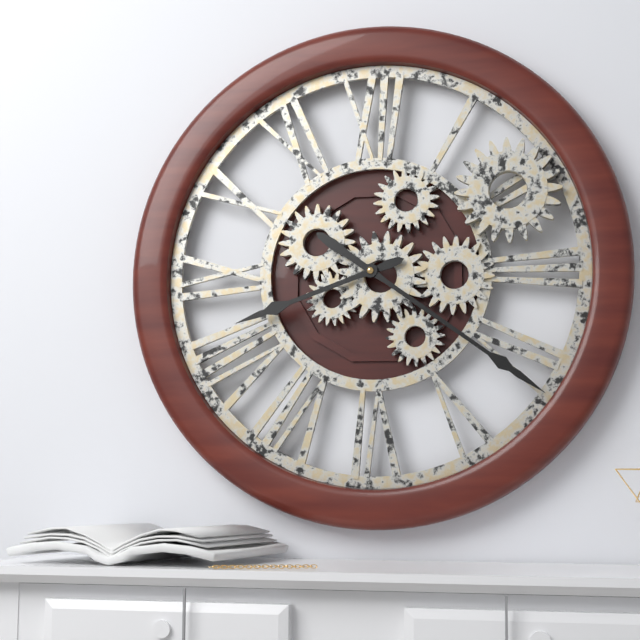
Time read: 8:21
